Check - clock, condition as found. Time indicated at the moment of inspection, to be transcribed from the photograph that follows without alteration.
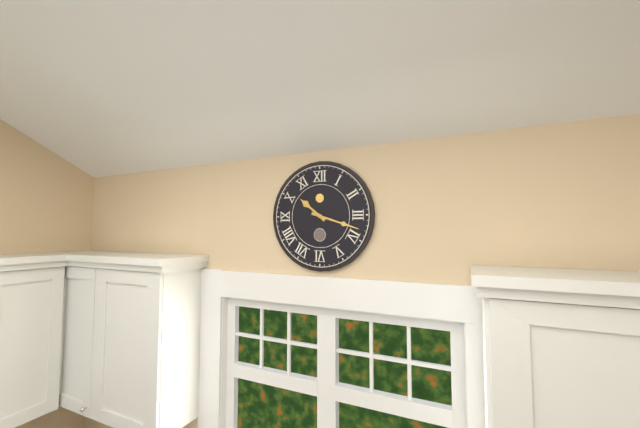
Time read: 10:18
